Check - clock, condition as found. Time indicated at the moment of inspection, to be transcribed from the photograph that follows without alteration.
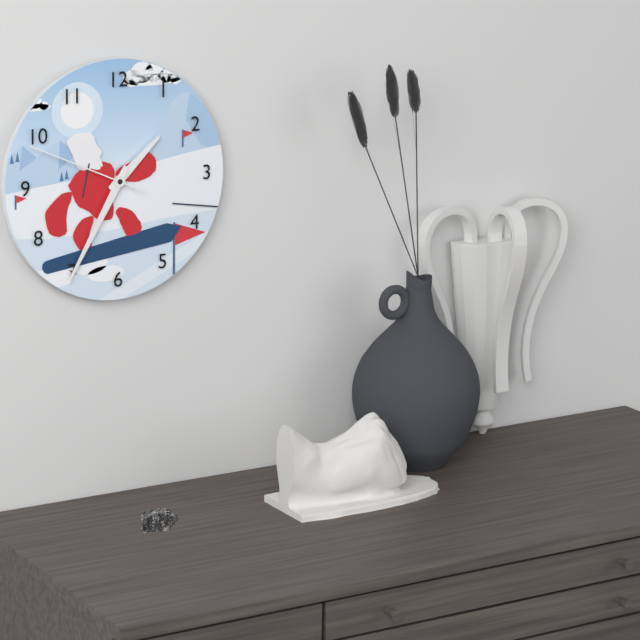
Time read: 1:35:49
